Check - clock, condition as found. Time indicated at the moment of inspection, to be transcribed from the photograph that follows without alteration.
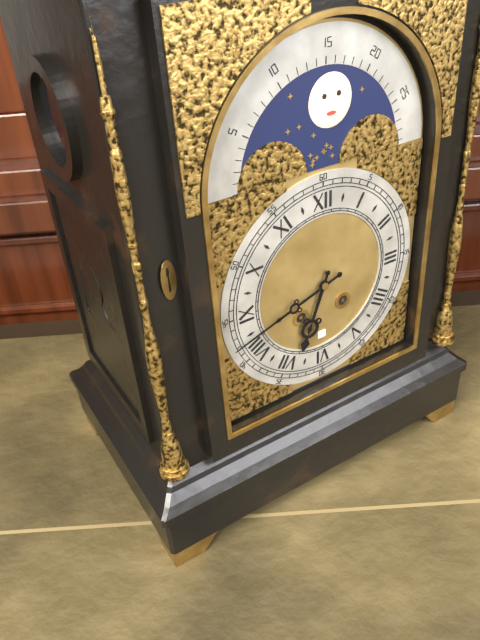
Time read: 6:42
